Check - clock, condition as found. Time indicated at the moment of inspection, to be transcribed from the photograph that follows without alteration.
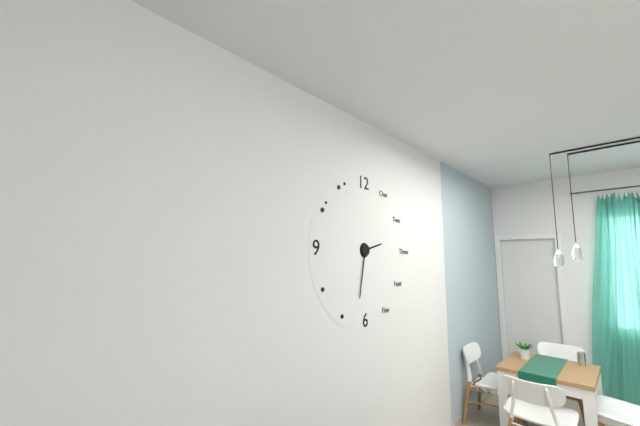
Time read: 2:32
